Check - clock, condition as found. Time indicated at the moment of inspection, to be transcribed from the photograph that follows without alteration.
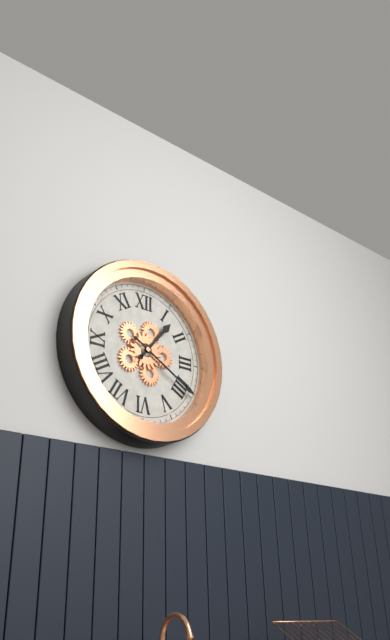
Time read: 1:20
